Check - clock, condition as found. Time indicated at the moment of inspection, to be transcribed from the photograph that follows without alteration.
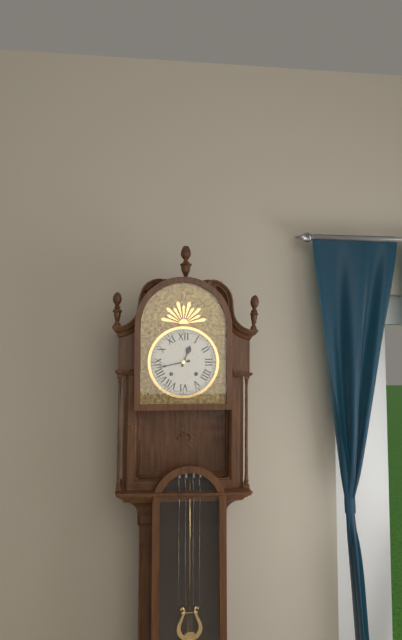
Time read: 12:43
